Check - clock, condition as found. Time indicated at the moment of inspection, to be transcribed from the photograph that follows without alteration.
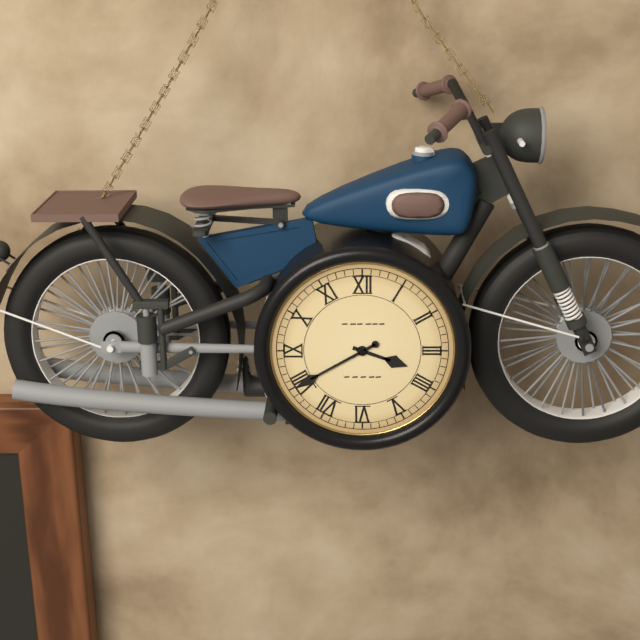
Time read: 3:40
